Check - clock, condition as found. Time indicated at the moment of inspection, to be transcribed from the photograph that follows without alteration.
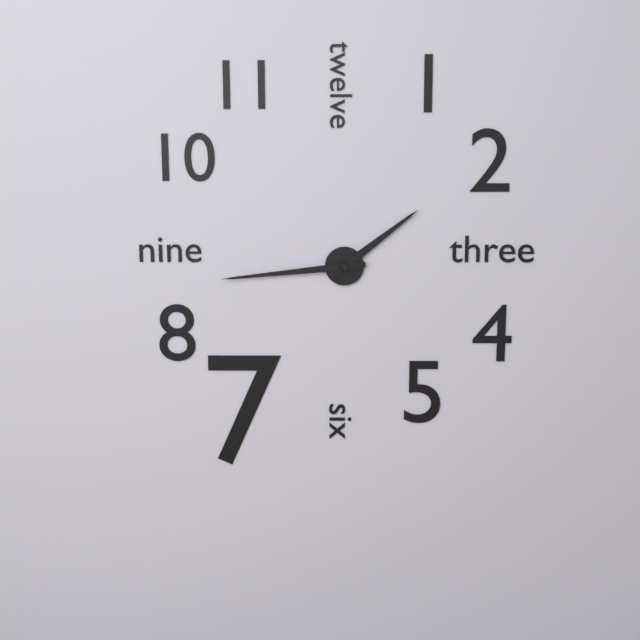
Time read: 1:44
